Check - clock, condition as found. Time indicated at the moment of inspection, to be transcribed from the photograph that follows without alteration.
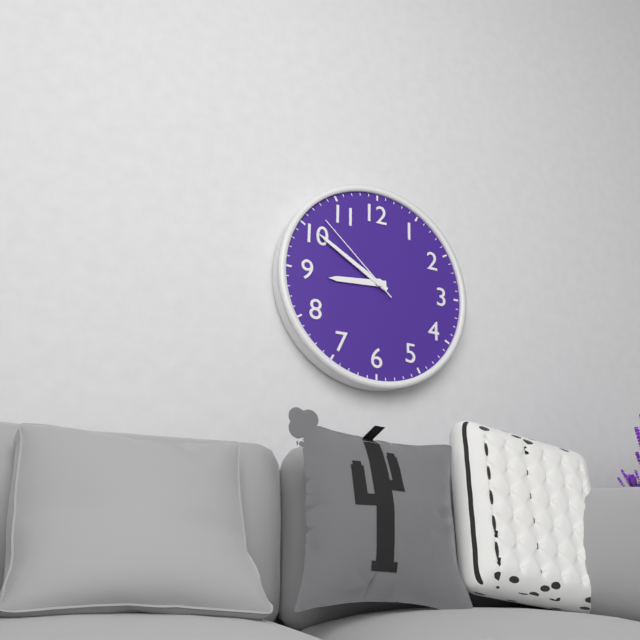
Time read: 8:50:52
